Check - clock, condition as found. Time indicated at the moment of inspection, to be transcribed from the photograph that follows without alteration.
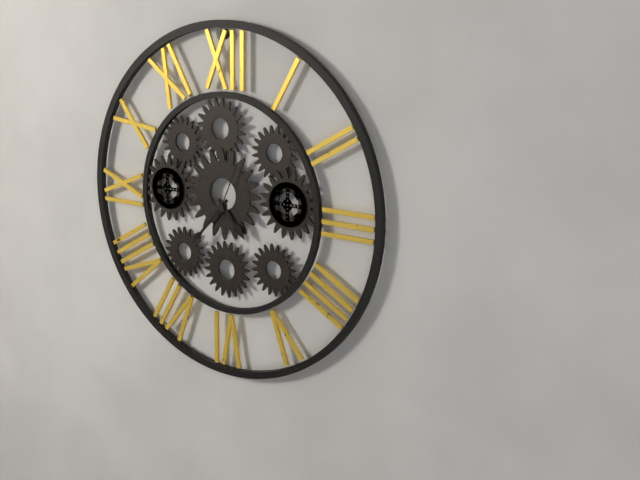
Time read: 4:37:04
